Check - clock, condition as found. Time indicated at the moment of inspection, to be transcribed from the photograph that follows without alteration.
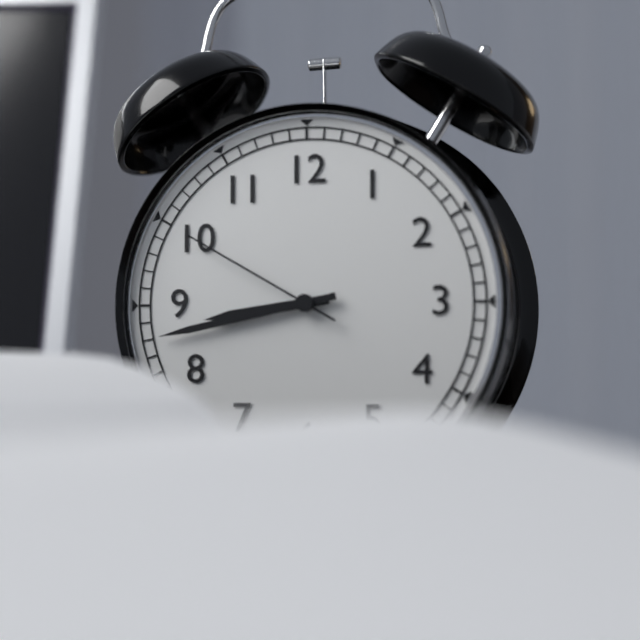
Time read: 8:43:50
